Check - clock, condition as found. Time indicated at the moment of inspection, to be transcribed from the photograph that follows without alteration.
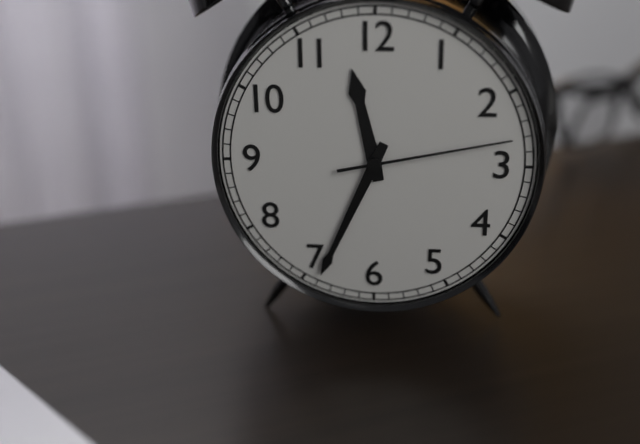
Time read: 11:34:13
